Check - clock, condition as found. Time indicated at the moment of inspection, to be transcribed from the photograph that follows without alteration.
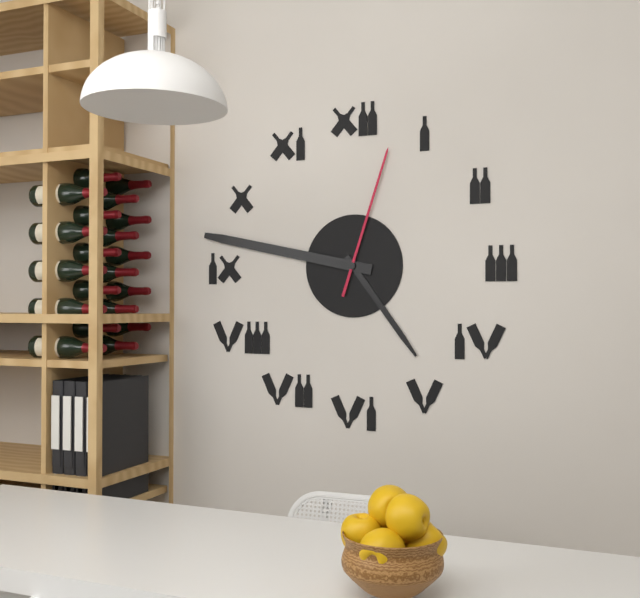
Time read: 4:47:03
